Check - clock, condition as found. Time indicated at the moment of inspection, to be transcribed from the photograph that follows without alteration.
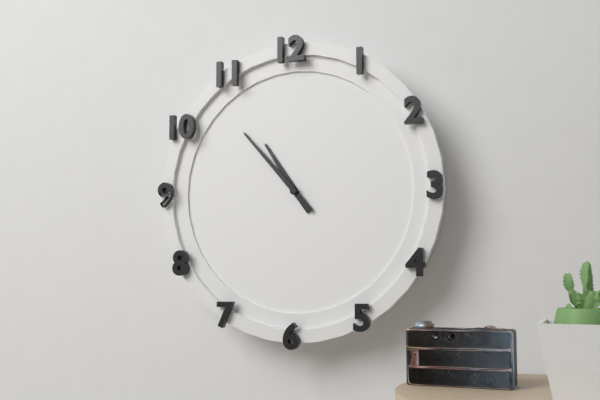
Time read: 10:53
